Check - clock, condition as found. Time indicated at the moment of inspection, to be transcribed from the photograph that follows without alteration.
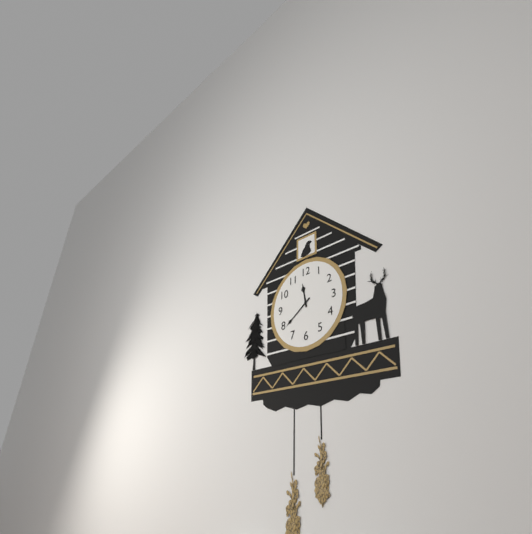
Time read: 11:39
